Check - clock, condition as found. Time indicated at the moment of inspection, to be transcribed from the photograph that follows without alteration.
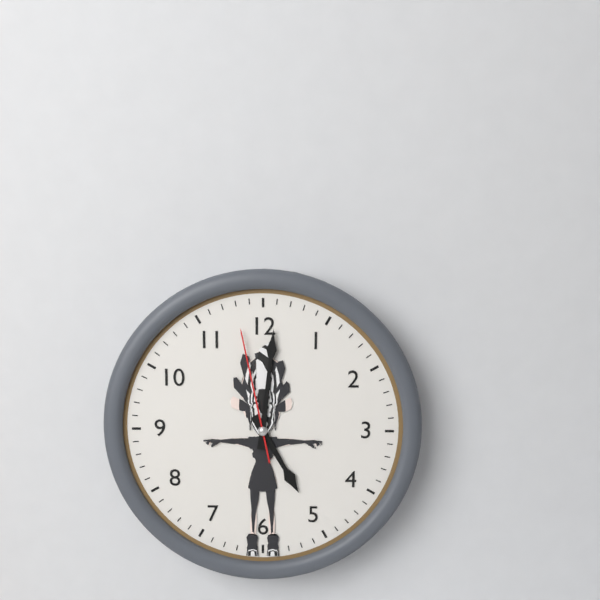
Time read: 5:01:58
